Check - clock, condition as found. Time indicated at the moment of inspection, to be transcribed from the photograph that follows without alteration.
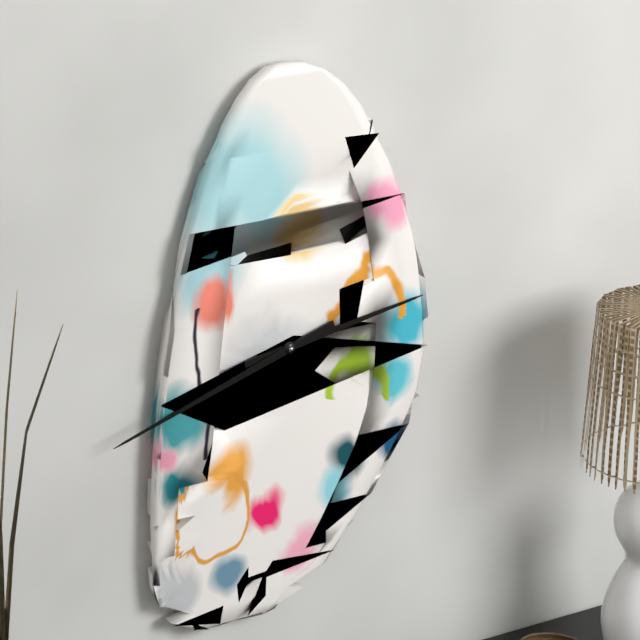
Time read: 2:42
